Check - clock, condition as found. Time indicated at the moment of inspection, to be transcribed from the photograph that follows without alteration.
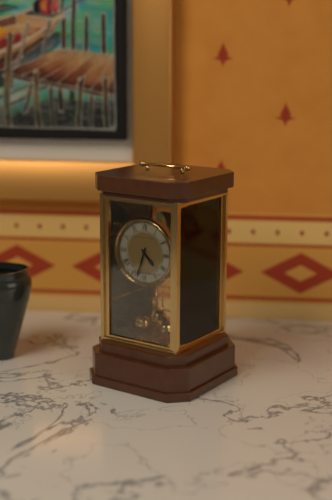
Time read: 4:33
